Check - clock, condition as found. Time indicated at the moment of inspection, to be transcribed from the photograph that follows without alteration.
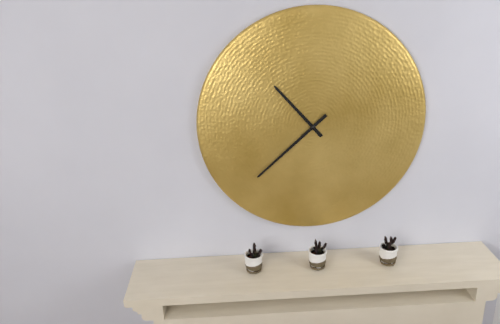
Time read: 10:38
